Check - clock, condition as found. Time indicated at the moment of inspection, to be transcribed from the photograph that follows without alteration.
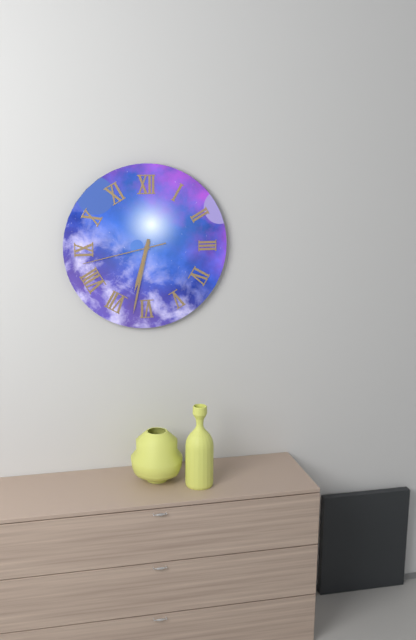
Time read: 6:32:43
